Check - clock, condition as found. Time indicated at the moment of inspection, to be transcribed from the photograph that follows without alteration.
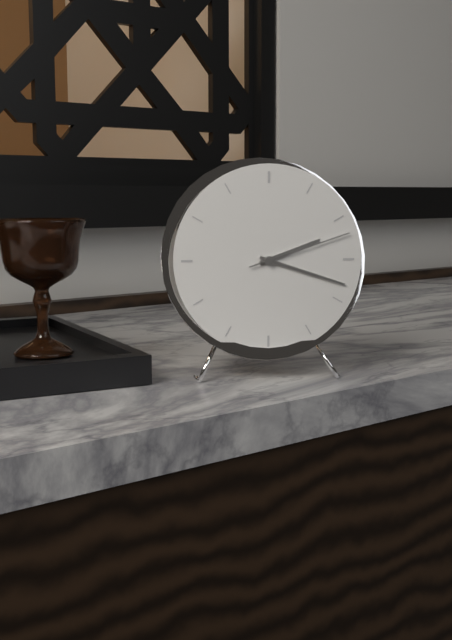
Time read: 2:18:12
